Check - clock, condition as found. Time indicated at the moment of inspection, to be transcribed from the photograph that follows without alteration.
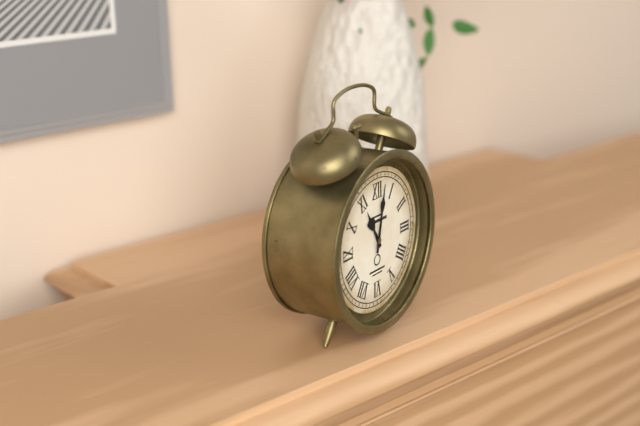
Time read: 11:02
